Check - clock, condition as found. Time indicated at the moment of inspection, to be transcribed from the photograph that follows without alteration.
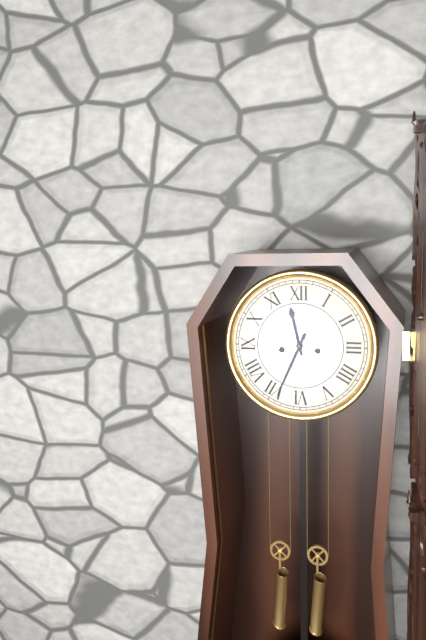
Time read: 11:34
